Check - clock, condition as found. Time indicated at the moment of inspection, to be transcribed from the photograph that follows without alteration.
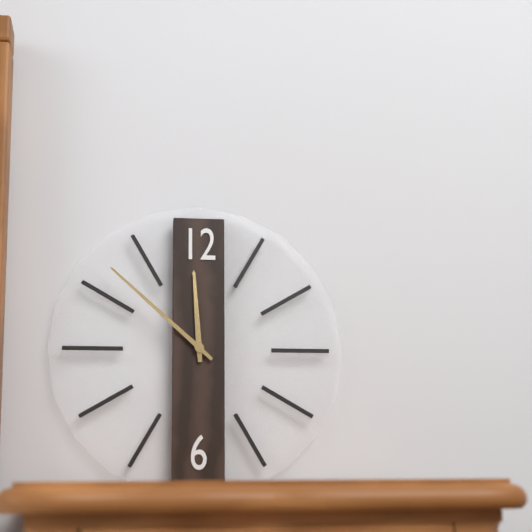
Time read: 11:52
